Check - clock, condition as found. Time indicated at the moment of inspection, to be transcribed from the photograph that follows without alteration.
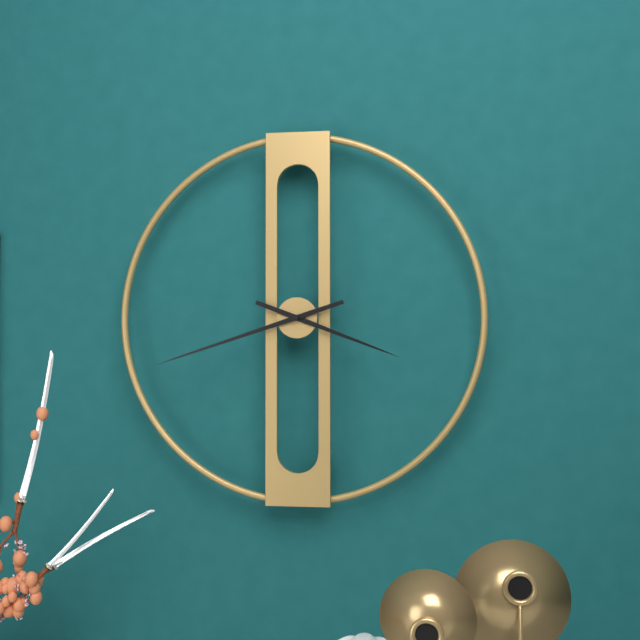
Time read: 3:42
